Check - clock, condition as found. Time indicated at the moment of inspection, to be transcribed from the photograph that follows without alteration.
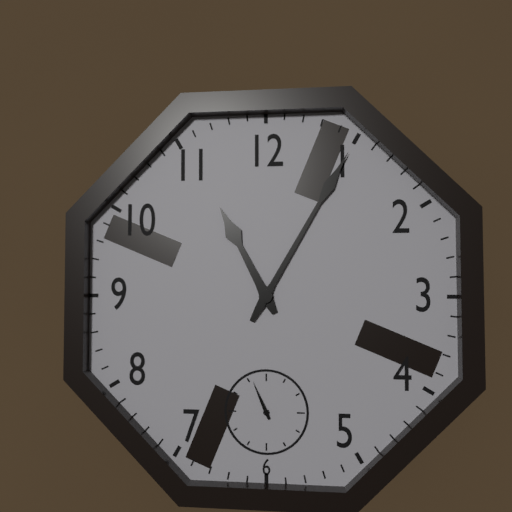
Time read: 11:05
